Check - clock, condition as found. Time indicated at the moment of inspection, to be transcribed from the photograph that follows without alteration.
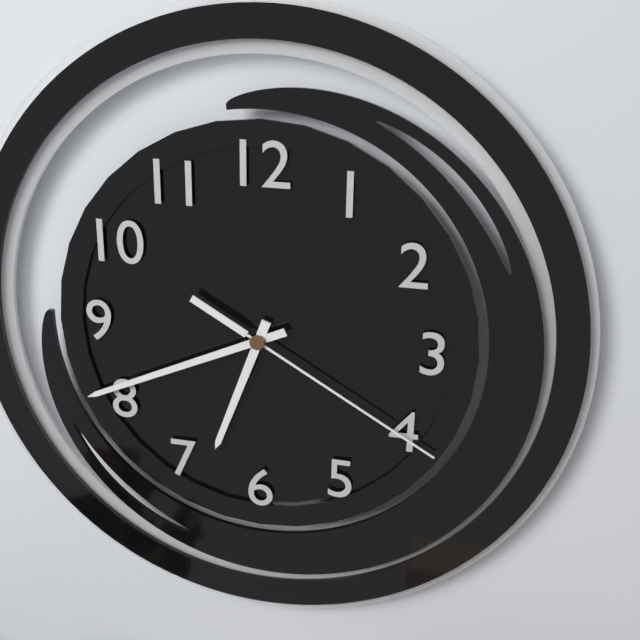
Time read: 6:41:20
